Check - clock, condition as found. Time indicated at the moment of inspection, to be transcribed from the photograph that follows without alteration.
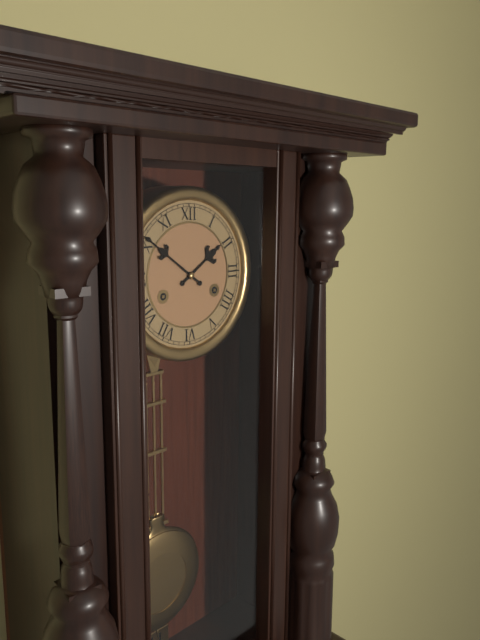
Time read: 1:51
